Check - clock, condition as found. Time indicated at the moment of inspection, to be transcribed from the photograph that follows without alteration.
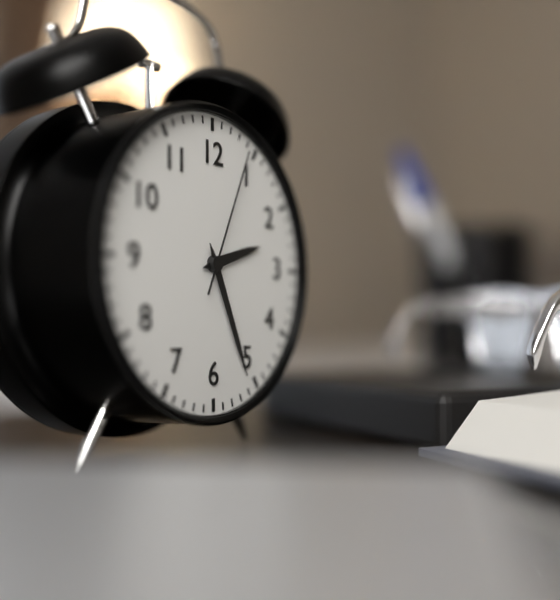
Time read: 2:26:04
